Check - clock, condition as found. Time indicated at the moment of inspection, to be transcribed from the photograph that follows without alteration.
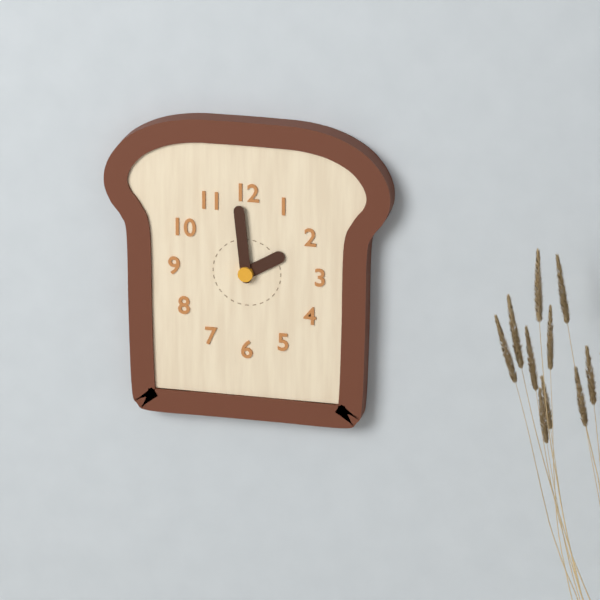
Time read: 1:59
